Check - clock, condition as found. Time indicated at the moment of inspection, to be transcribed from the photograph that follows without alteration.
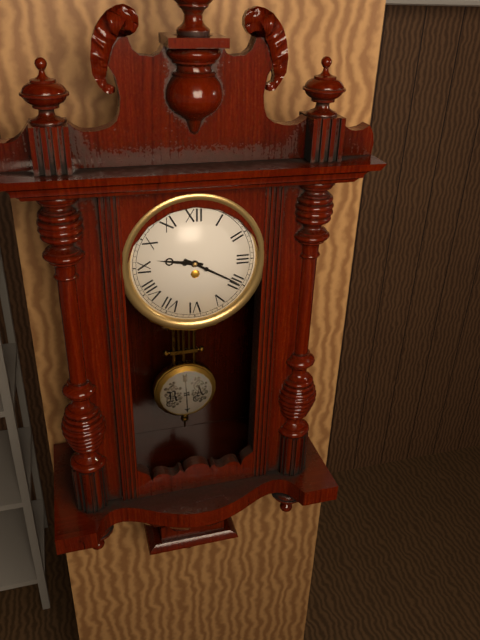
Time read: 9:20
